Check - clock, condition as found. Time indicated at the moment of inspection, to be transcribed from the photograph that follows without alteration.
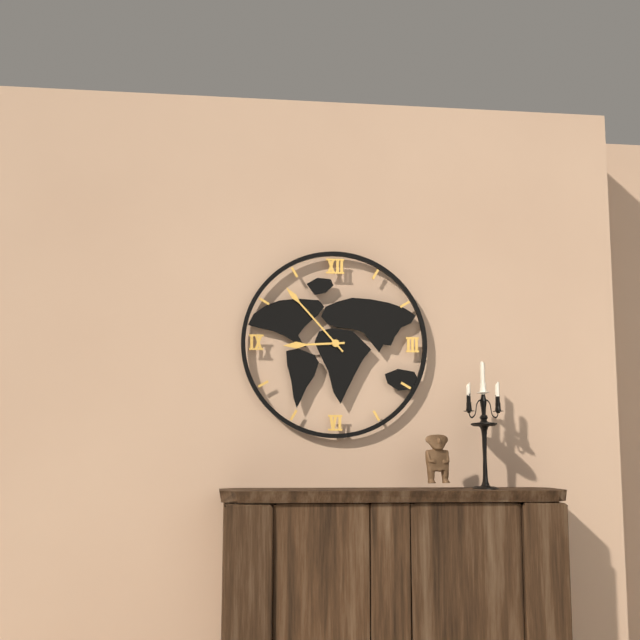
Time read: 8:53
